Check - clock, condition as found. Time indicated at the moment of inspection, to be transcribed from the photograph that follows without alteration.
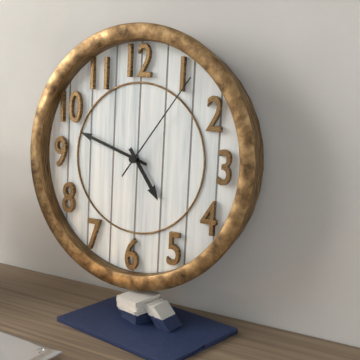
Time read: 4:48:06
